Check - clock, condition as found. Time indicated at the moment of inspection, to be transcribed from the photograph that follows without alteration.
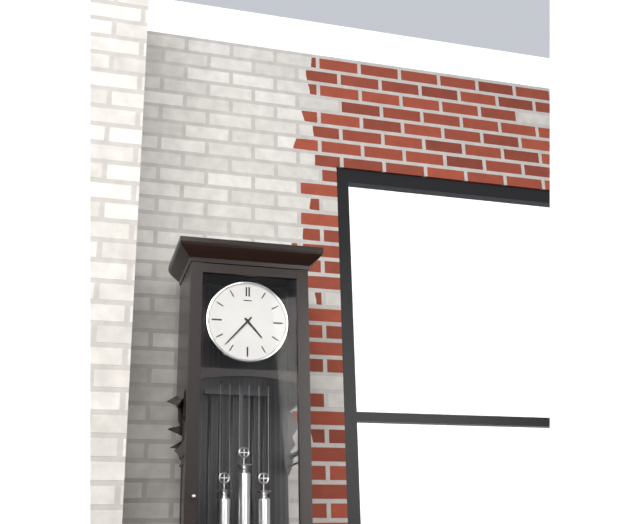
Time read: 4:37
